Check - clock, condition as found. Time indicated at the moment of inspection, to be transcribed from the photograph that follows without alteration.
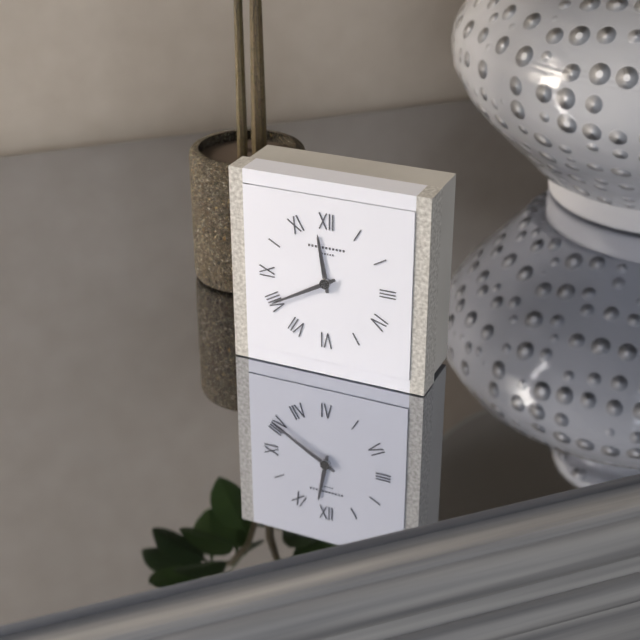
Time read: 11:40
